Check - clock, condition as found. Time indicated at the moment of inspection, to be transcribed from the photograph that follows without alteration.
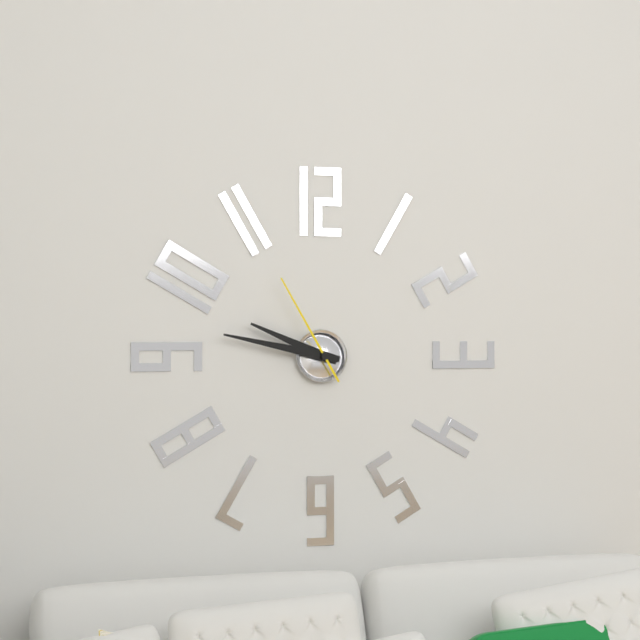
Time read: 9:47:55
